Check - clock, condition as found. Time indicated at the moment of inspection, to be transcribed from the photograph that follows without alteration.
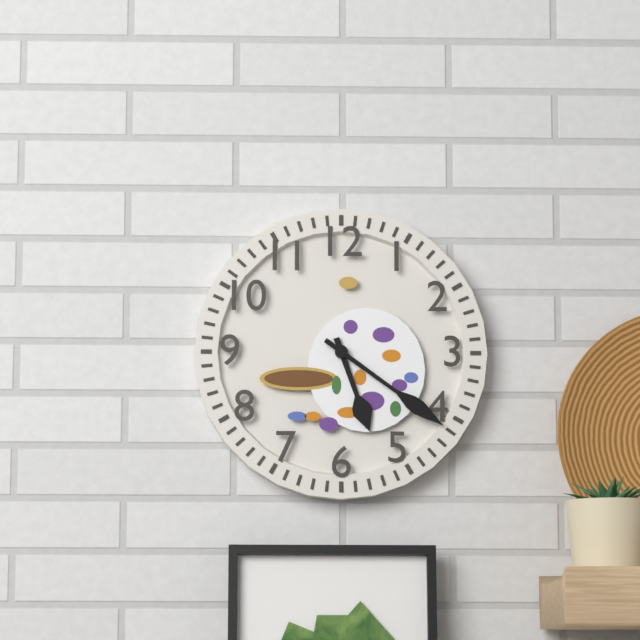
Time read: 5:21
